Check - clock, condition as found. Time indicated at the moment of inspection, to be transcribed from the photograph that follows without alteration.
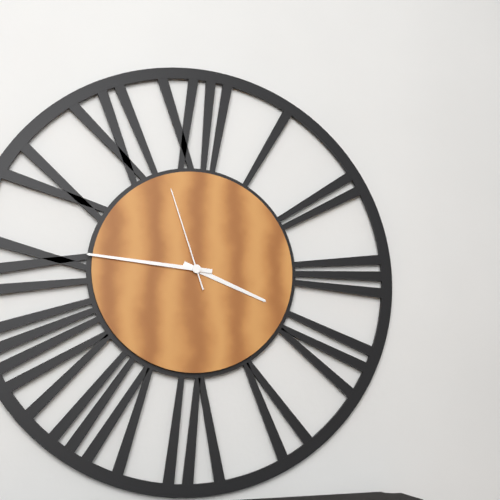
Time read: 3:46:57
